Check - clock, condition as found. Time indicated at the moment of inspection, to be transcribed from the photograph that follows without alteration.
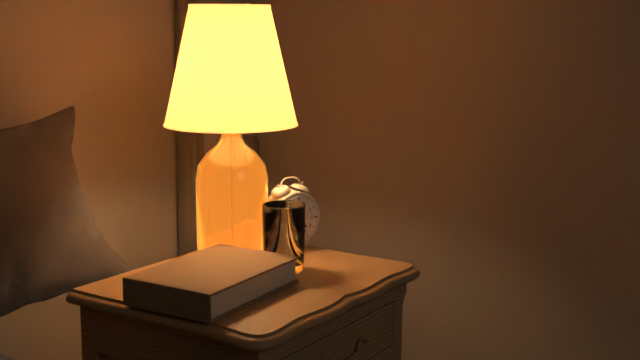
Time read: 4:29
